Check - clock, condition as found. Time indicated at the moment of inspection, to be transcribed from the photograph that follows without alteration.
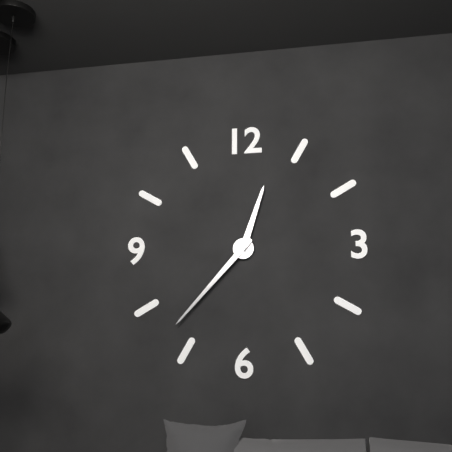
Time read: 12:37
